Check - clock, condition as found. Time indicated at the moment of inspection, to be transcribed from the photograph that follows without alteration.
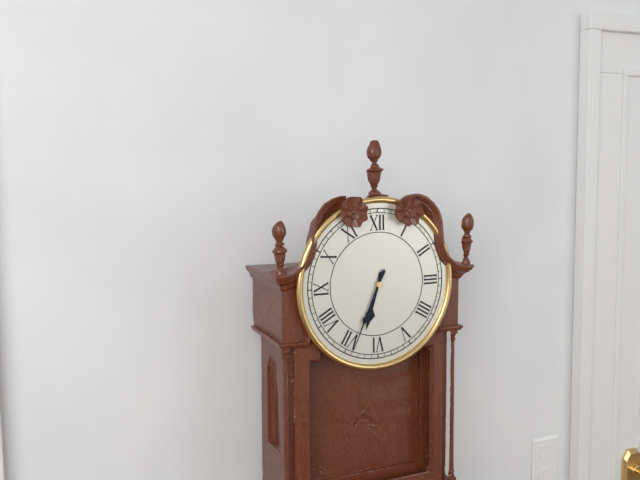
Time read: 6:34
